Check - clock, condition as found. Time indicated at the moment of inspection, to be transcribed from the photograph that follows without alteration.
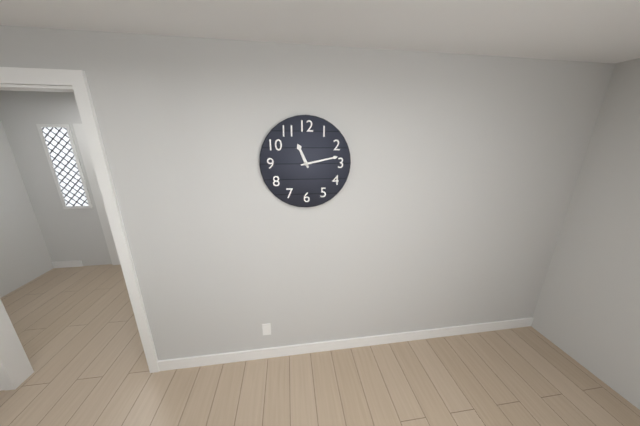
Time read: 11:13
